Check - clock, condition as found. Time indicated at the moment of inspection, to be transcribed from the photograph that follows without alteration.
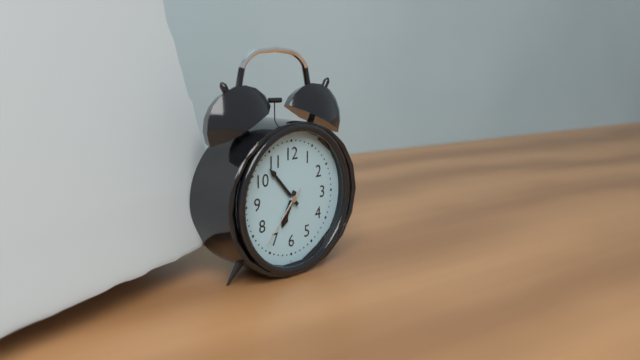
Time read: 6:53:37
